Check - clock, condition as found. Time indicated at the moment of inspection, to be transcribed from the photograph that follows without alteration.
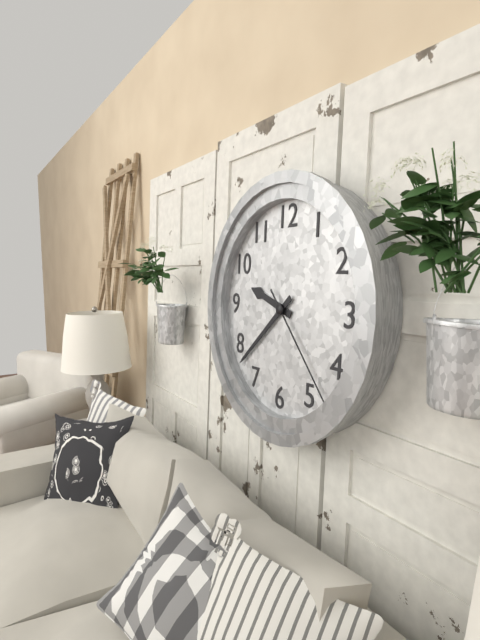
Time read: 9:38:23
